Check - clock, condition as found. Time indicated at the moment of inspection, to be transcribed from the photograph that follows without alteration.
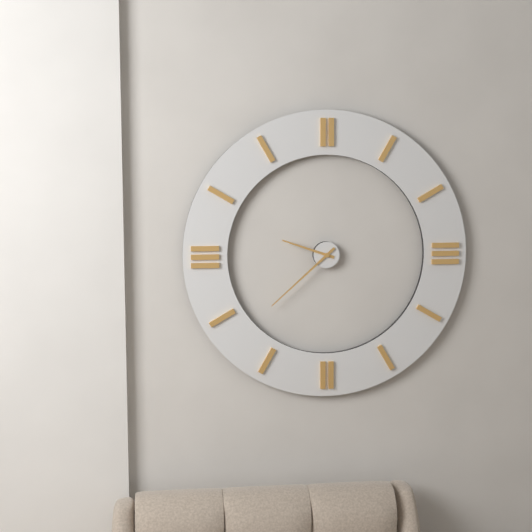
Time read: 9:38
